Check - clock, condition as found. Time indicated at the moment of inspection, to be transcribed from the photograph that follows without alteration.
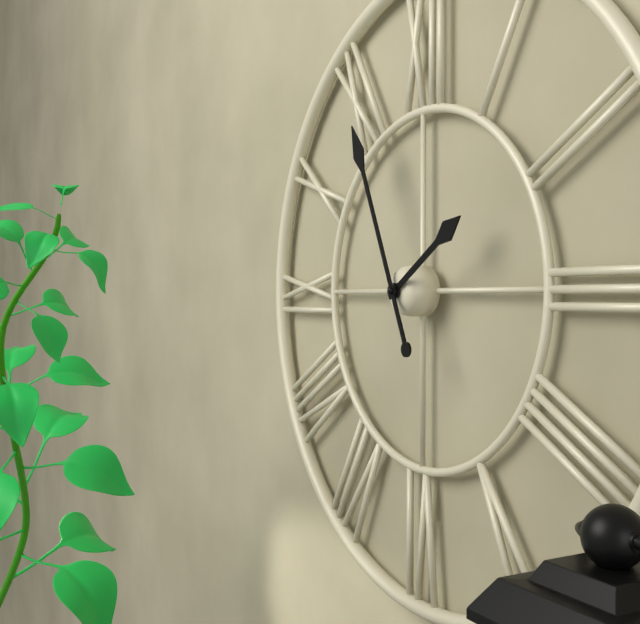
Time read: 1:56
